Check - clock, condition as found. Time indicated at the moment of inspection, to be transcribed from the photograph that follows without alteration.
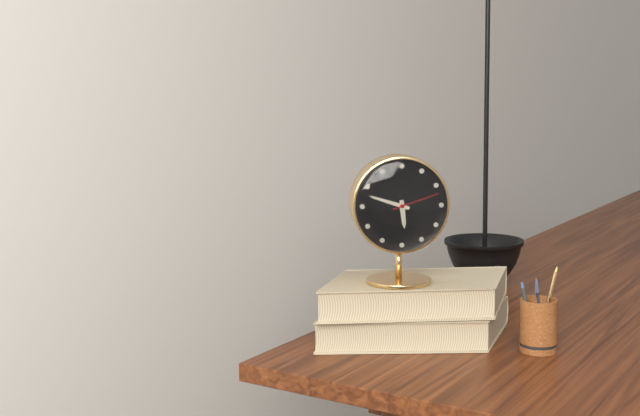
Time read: 5:48
